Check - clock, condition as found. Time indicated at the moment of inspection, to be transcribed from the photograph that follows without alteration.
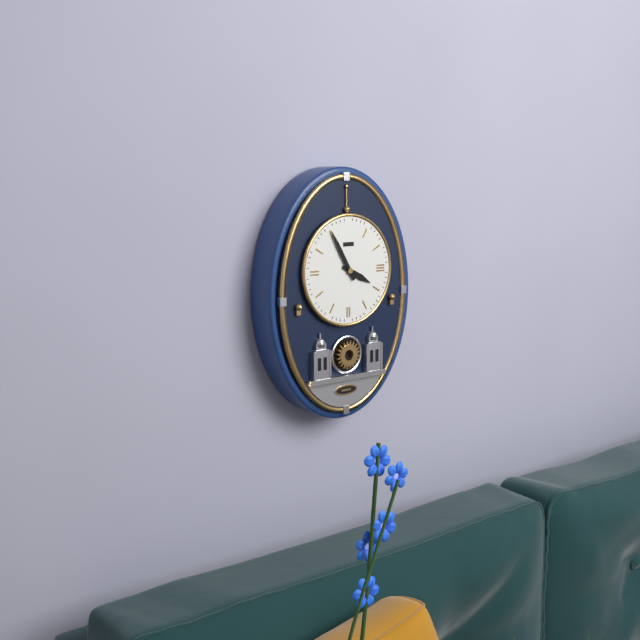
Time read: 3:55
